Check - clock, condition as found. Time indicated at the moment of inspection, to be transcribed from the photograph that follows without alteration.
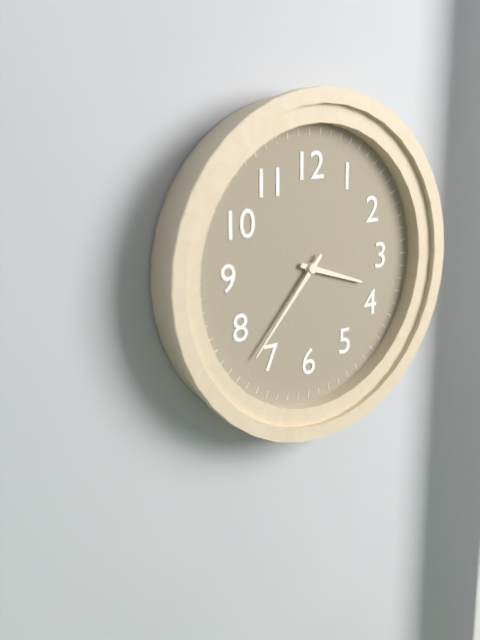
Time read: 3:37
